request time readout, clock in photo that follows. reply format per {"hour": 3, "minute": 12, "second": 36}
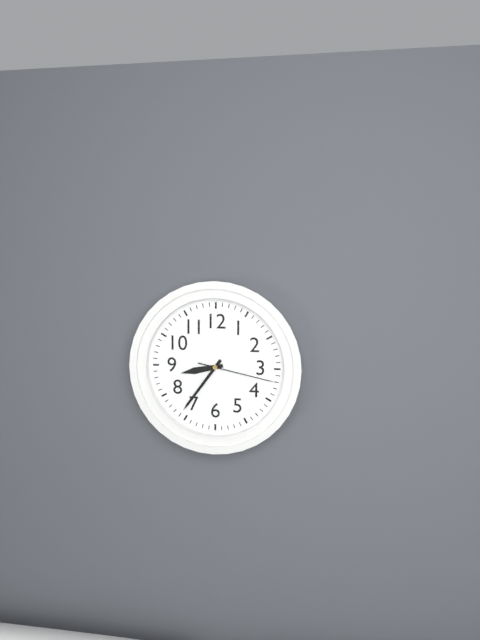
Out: {"hour": 8, "minute": 36, "second": 17}
